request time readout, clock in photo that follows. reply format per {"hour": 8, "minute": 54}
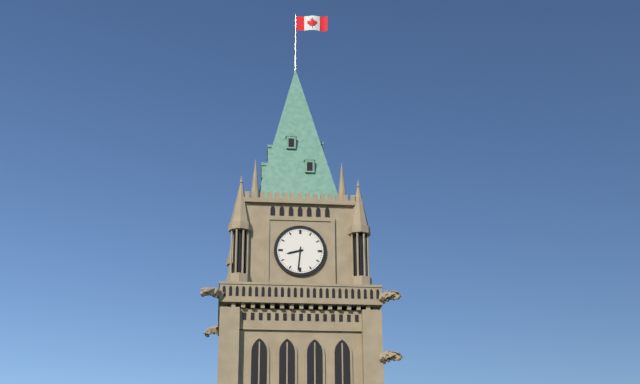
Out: {"hour": 8, "minute": 31}
